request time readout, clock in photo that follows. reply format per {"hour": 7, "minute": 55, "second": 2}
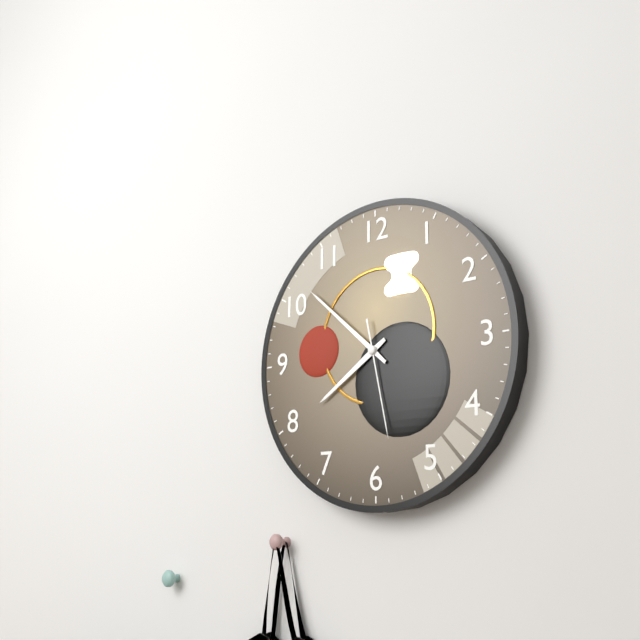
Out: {"hour": 7, "minute": 52, "second": 28}
